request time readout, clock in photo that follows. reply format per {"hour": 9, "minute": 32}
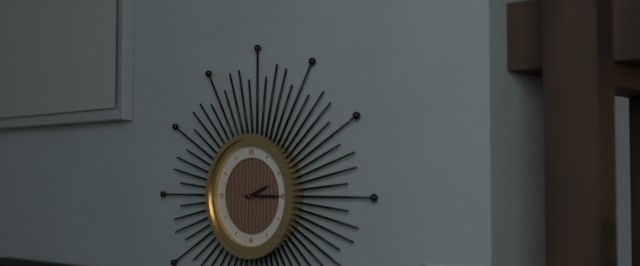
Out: {"hour": 2, "minute": 15}
